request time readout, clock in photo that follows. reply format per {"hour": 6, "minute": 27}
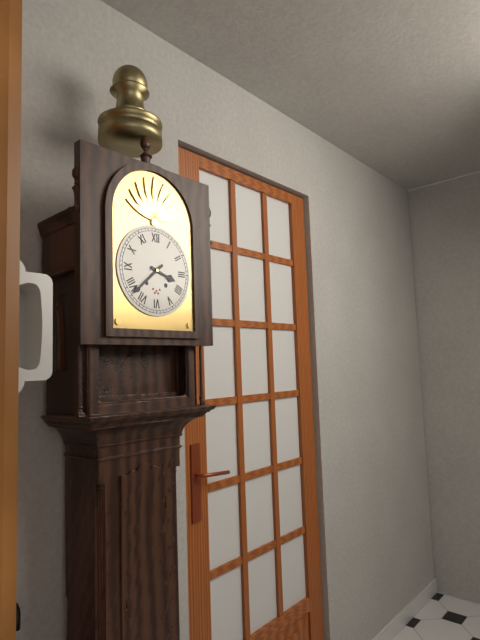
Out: {"hour": 3, "minute": 38}
